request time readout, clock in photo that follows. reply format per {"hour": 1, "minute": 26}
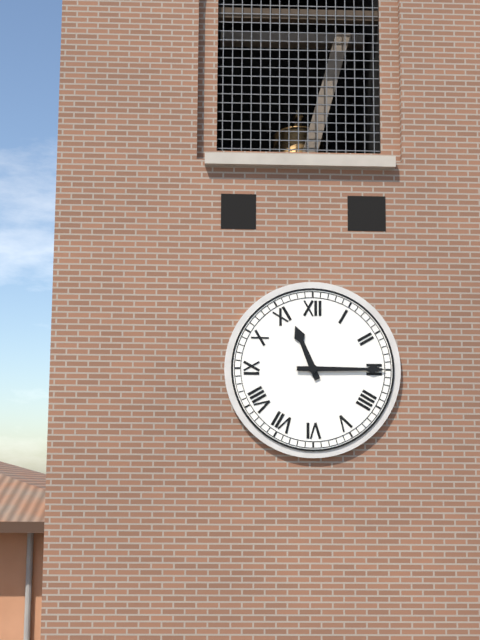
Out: {"hour": 11, "minute": 15}
